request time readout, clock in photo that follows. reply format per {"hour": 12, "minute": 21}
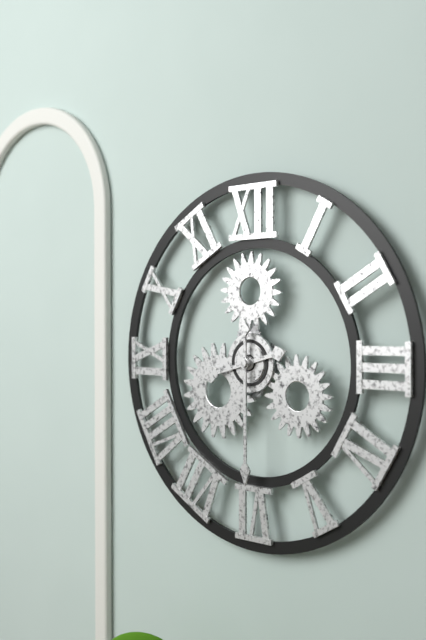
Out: {"hour": 8, "minute": 30}
